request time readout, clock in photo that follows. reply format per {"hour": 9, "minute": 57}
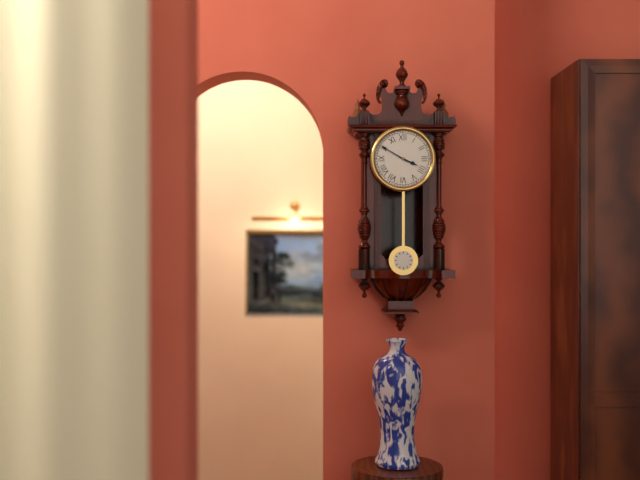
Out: {"hour": 3, "minute": 50}
